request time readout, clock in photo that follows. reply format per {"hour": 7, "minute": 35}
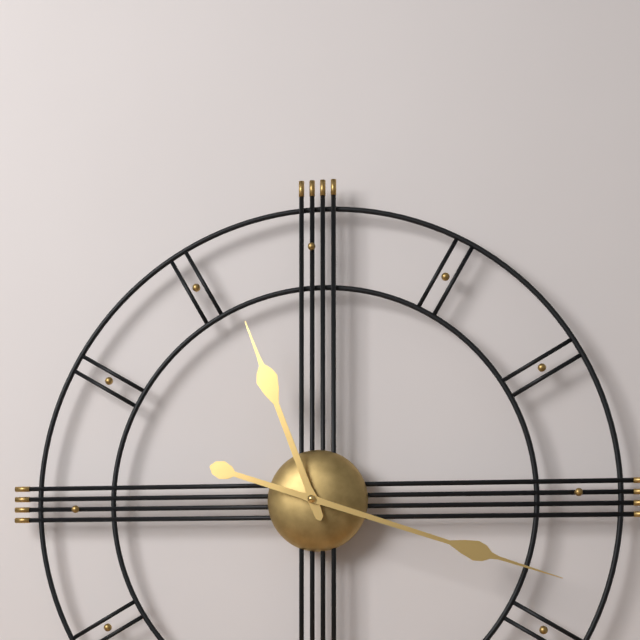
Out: {"hour": 11, "minute": 18}
